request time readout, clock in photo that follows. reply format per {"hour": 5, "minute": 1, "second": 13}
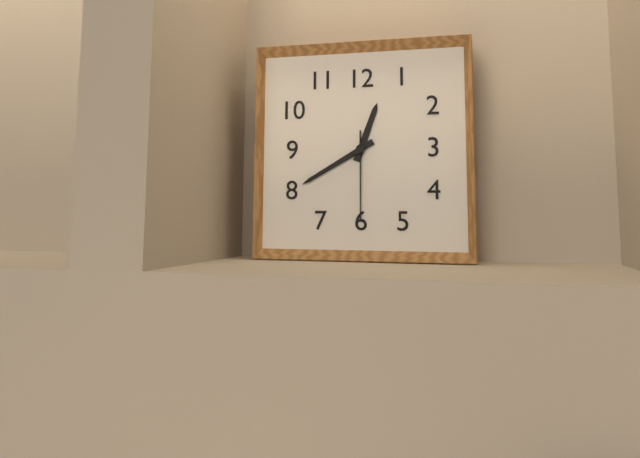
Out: {"hour": 12, "minute": 40, "second": 30}
